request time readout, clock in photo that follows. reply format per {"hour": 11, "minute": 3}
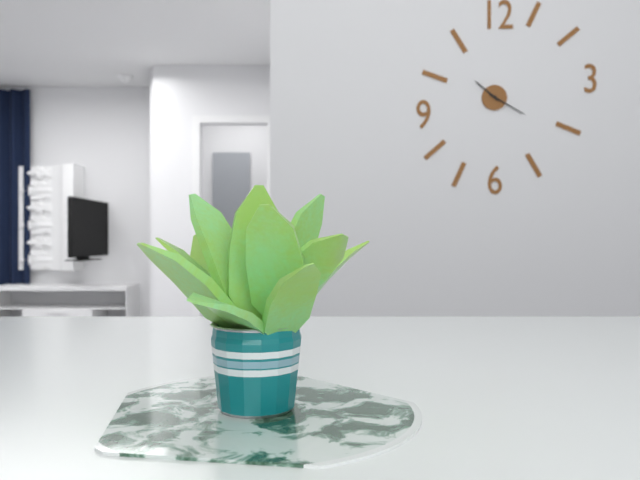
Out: {"hour": 10, "minute": 20}
